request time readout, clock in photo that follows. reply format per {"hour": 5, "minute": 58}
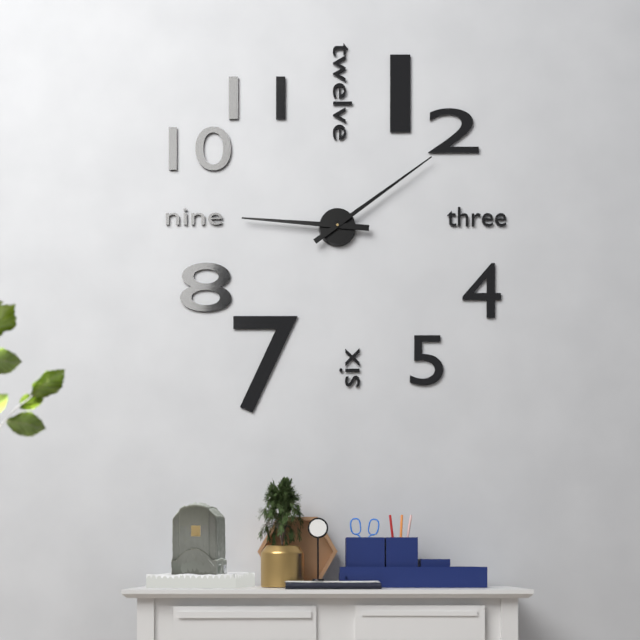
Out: {"hour": 9, "minute": 9}
